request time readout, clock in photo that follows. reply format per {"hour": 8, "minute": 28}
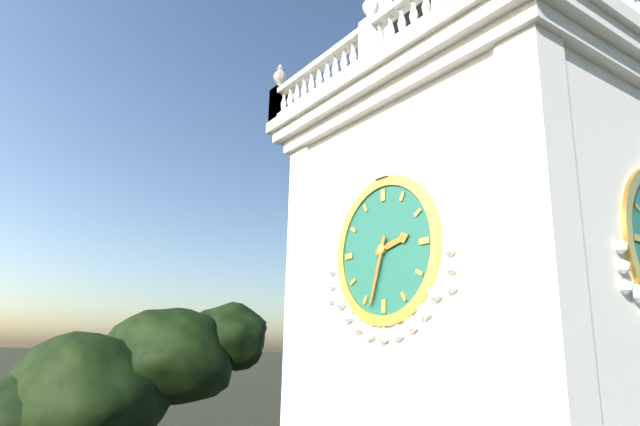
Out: {"hour": 2, "minute": 33}
